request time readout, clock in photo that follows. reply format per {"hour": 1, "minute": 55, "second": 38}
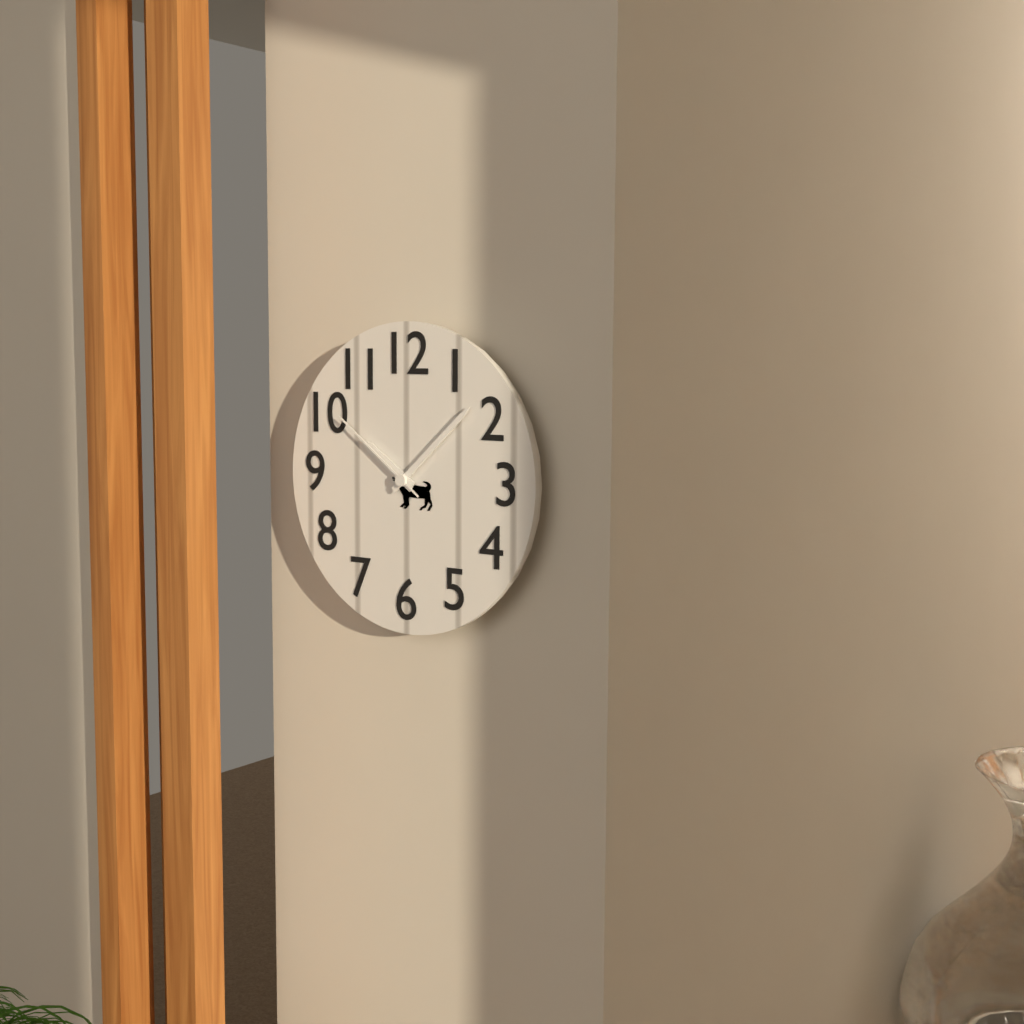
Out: {"hour": 10, "minute": 8, "second": 51}
